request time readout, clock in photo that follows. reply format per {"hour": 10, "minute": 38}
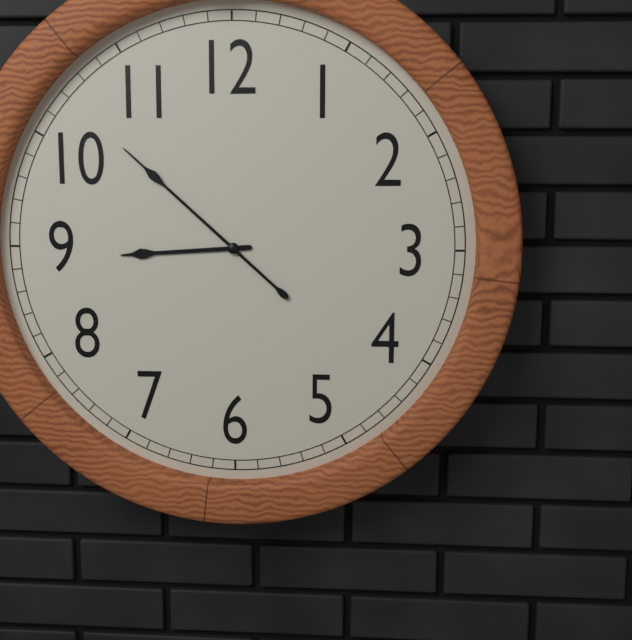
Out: {"hour": 8, "minute": 52}
